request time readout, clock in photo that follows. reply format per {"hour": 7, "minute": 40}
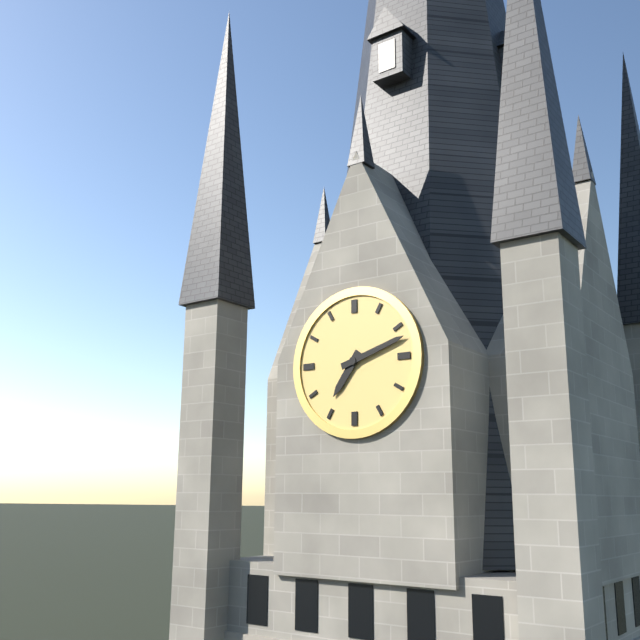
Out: {"hour": 7, "minute": 12}
